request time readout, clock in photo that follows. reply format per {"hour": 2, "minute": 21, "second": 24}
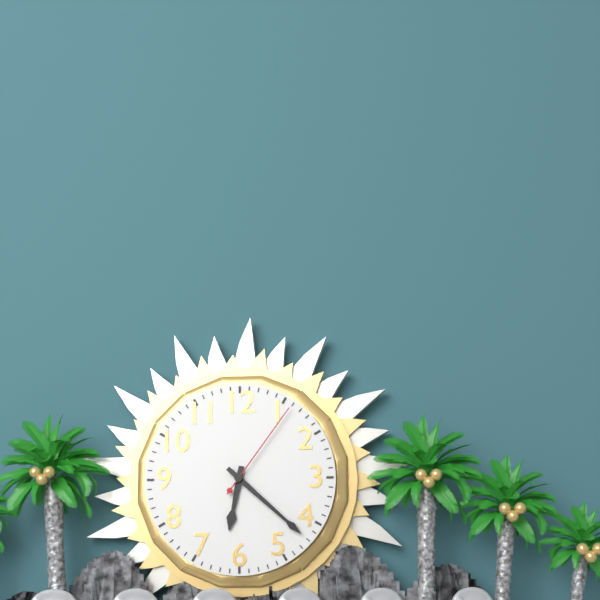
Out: {"hour": 6, "minute": 22, "second": 6}
